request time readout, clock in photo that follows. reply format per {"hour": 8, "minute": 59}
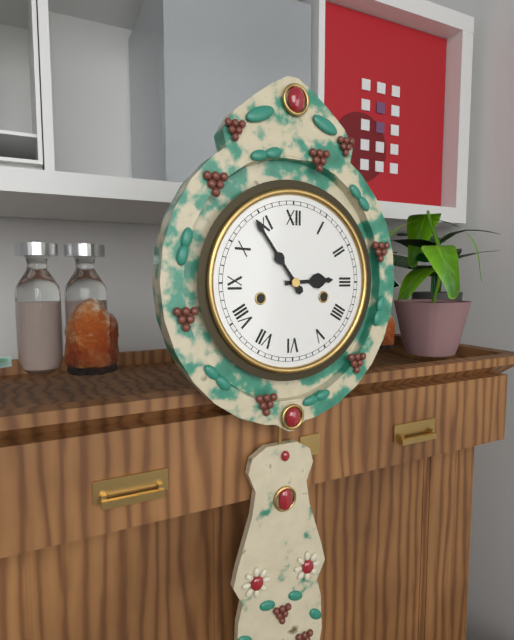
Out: {"hour": 2, "minute": 54}
